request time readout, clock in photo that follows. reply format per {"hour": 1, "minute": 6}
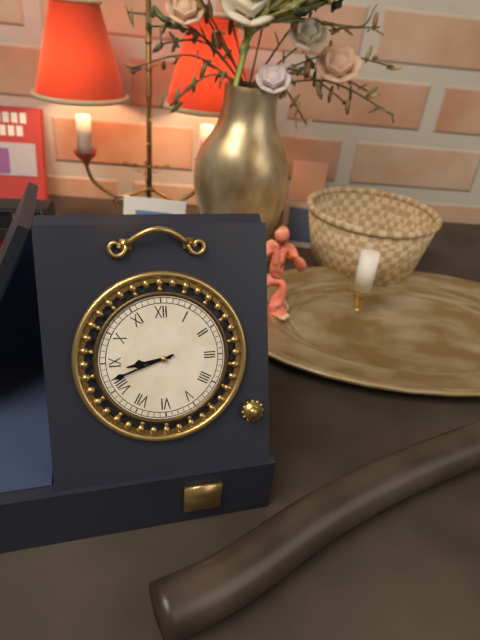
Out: {"hour": 8, "minute": 42}
